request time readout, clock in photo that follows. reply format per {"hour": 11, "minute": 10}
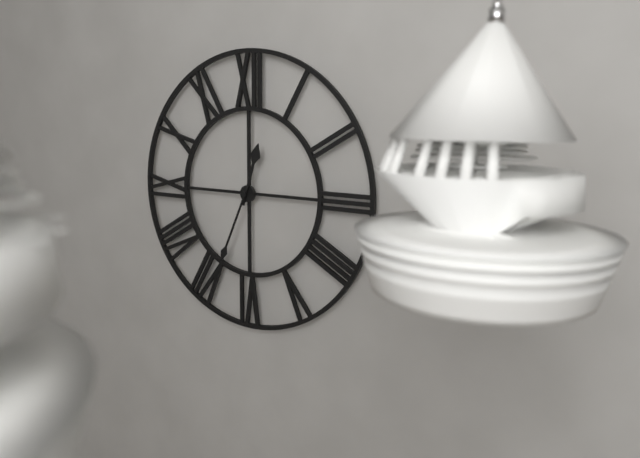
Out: {"hour": 12, "minute": 34}
